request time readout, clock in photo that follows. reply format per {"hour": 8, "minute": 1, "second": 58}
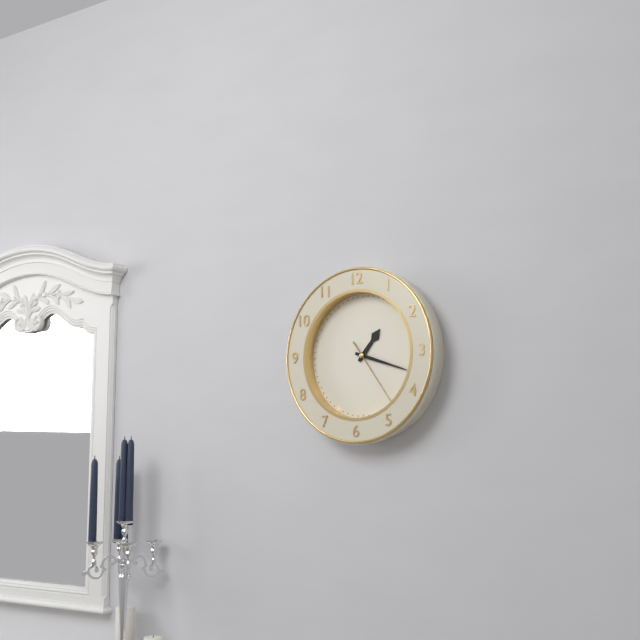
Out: {"hour": 1, "minute": 18, "second": 24}
